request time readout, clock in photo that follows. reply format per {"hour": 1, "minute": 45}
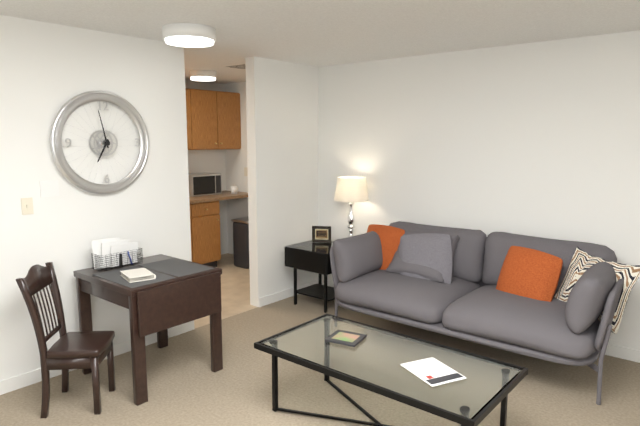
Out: {"hour": 6, "minute": 58}
